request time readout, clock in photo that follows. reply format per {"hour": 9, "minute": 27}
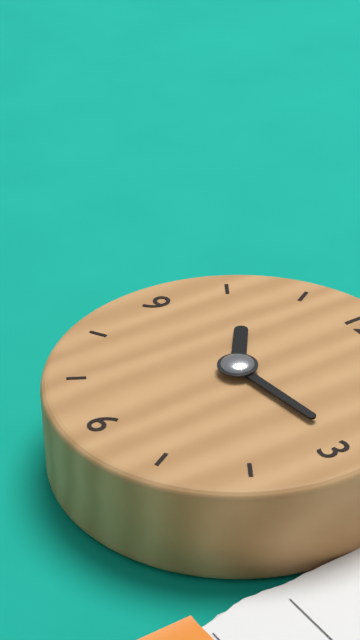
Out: {"hour": 10, "minute": 14}
